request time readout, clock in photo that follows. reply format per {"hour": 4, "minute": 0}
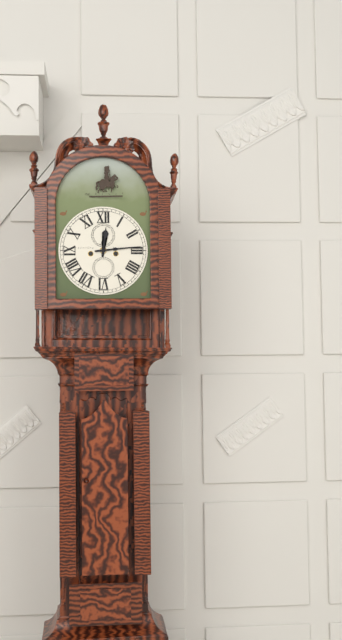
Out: {"hour": 12, "minute": 14}
